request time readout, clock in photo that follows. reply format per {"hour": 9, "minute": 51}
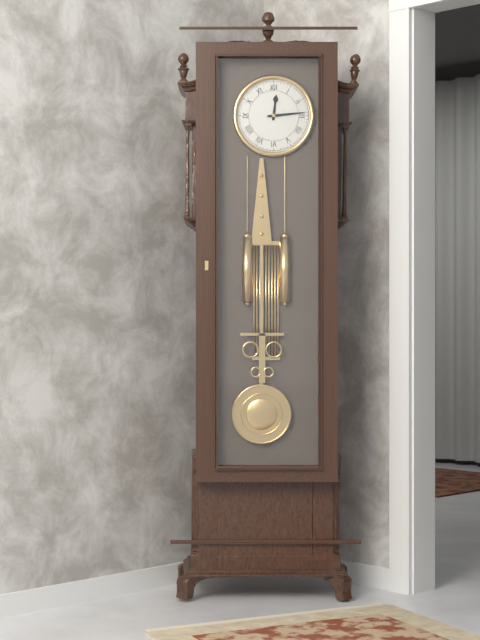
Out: {"hour": 12, "minute": 14}
